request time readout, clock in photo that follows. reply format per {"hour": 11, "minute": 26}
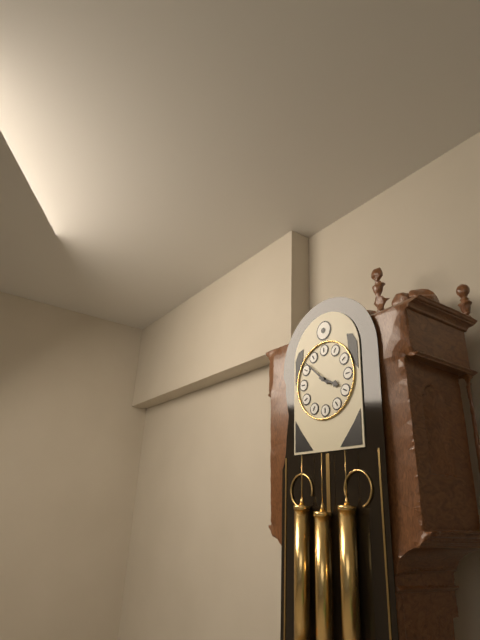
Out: {"hour": 3, "minute": 52}
